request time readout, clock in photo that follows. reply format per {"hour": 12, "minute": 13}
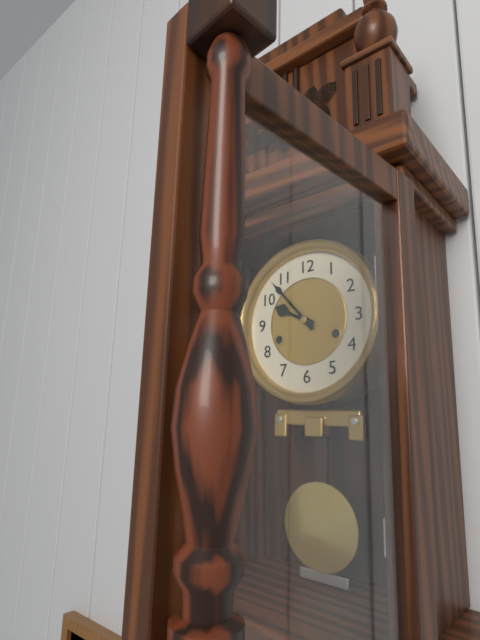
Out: {"hour": 9, "minute": 53}
